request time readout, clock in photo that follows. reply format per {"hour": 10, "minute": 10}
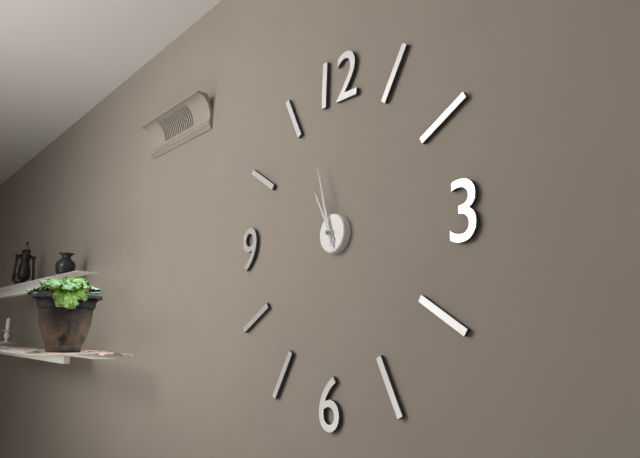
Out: {"hour": 10, "minute": 57}
